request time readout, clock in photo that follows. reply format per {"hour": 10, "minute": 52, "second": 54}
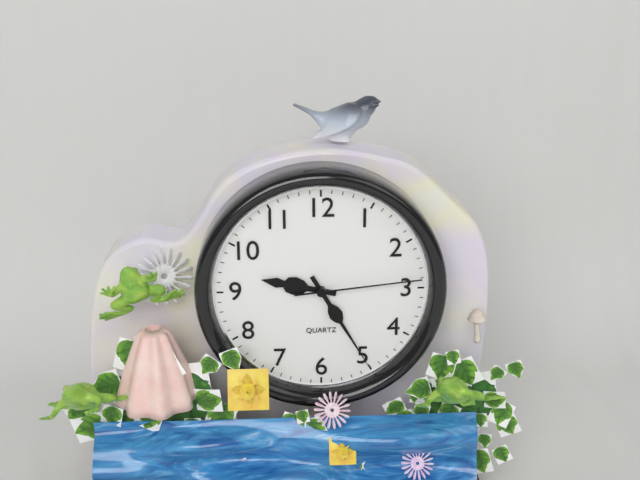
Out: {"hour": 9, "minute": 25, "second": 14}
